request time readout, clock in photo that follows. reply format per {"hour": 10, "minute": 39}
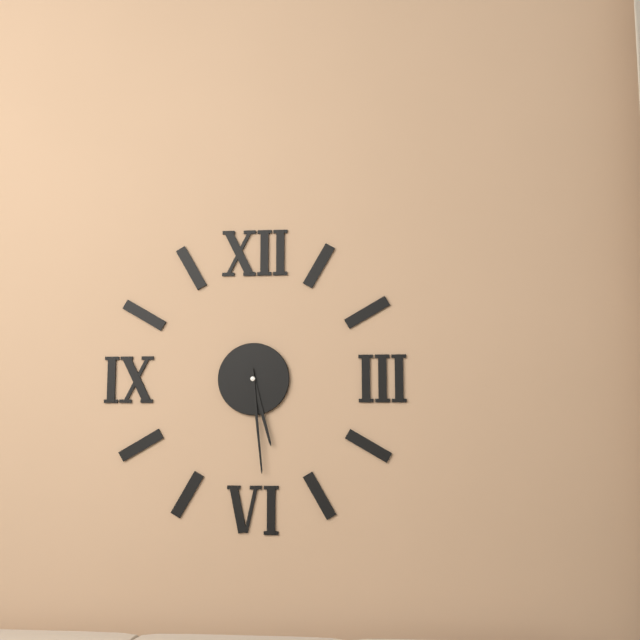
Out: {"hour": 5, "minute": 29}
